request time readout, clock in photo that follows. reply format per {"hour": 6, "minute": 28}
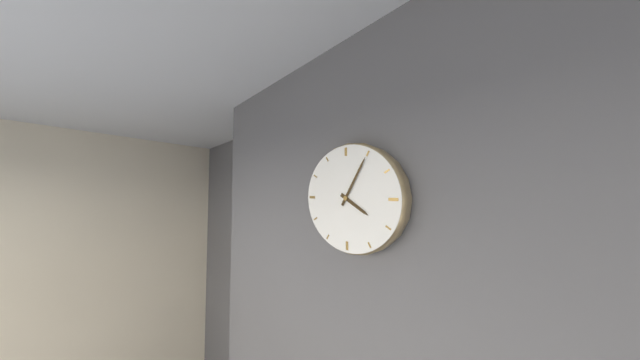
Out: {"hour": 4, "minute": 5}
